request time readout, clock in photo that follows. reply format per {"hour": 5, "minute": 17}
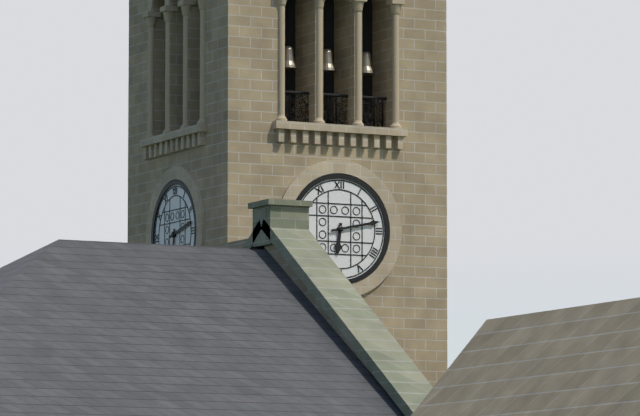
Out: {"hour": 6, "minute": 13}
